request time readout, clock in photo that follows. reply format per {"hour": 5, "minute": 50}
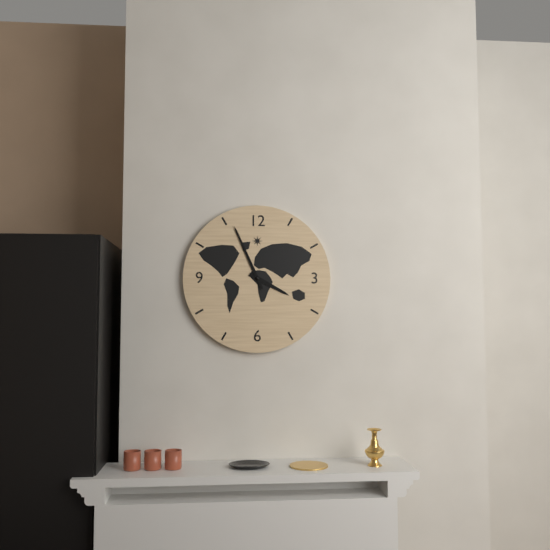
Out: {"hour": 3, "minute": 56}
